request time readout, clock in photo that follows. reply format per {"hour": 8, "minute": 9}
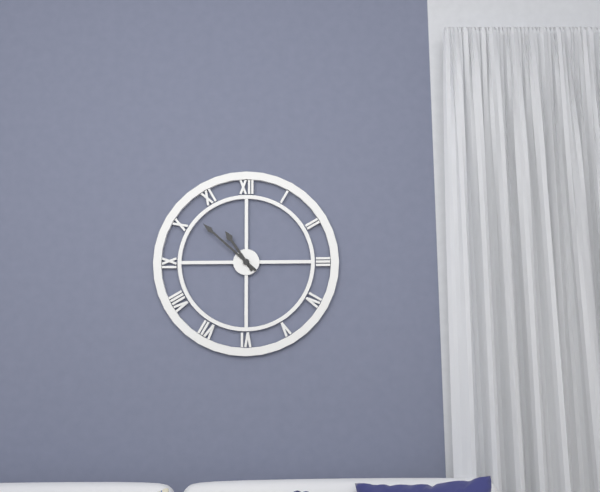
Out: {"hour": 10, "minute": 52}
